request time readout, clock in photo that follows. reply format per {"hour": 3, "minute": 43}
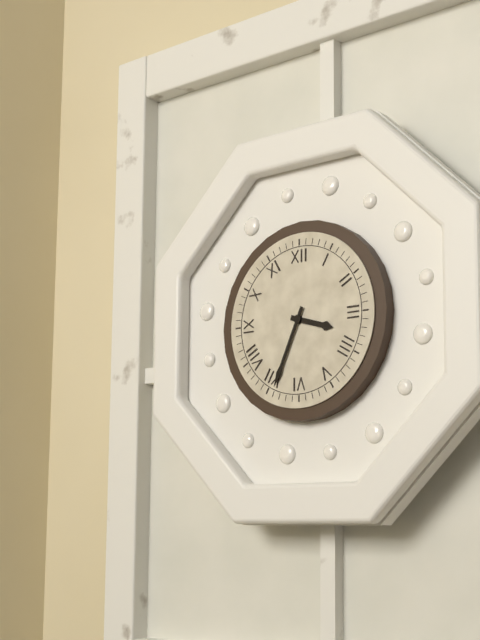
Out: {"hour": 3, "minute": 34}
